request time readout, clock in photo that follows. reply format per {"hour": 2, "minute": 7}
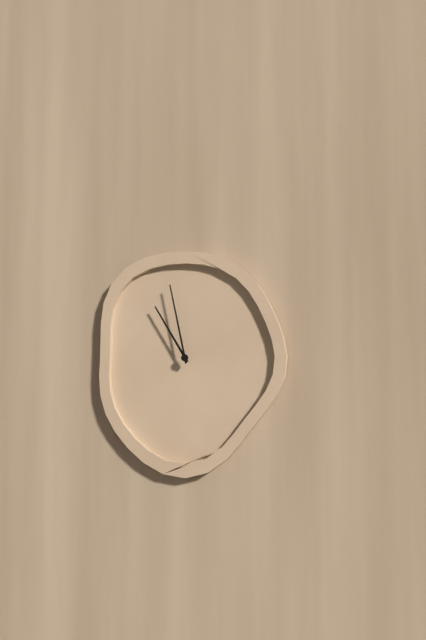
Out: {"hour": 10, "minute": 58}
